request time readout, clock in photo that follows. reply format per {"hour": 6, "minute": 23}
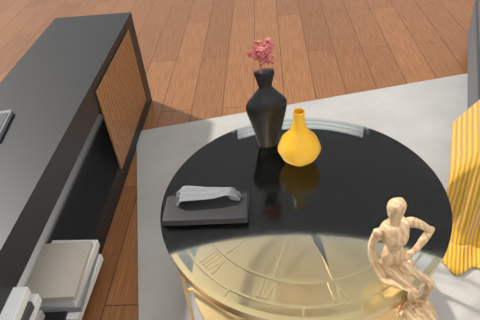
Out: {"hour": 1, "minute": 30}
